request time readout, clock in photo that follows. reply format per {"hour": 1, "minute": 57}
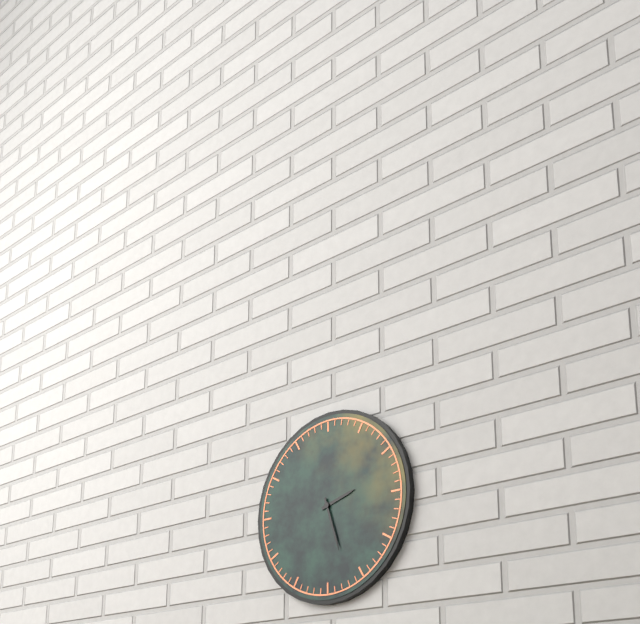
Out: {"hour": 2, "minute": 27}
